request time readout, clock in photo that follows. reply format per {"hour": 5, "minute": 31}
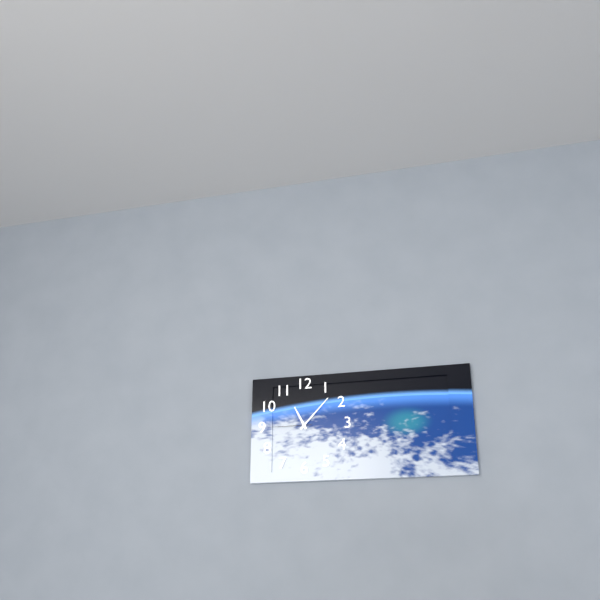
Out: {"hour": 11, "minute": 7}
